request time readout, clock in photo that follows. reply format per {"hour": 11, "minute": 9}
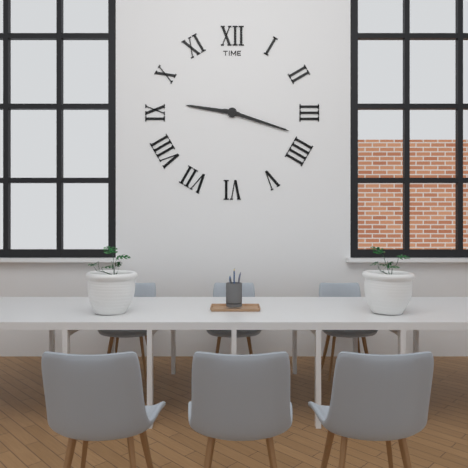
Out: {"hour": 9, "minute": 18}
